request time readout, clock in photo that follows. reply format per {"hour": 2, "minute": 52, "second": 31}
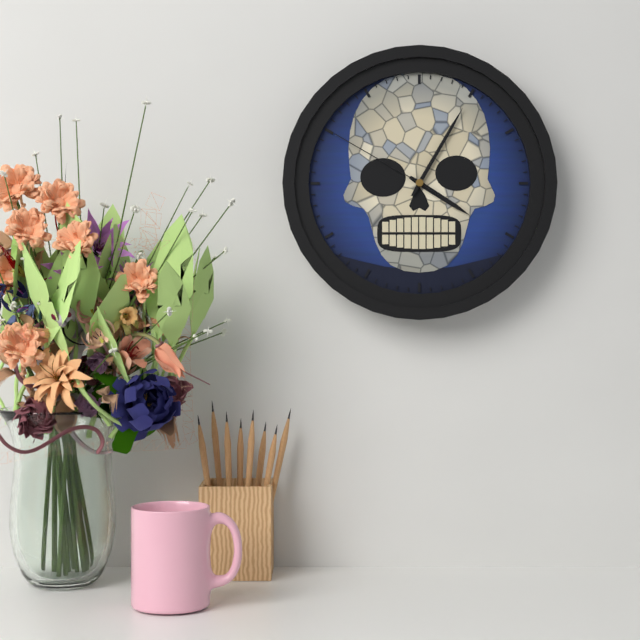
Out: {"hour": 4, "minute": 5, "second": 50}
